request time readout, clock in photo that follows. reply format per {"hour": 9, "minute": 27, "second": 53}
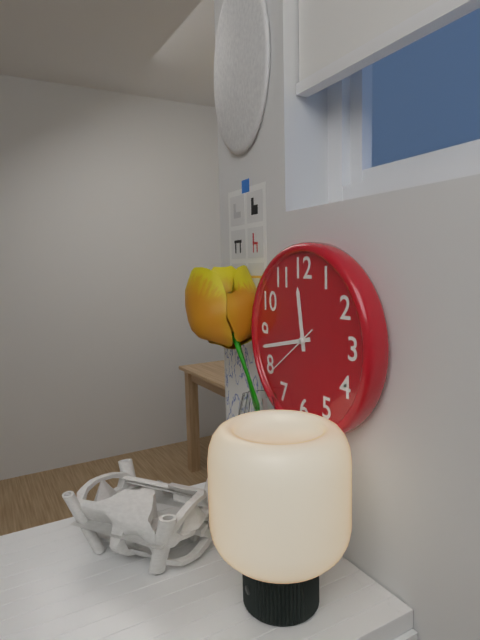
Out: {"hour": 11, "minute": 43, "second": 39}
